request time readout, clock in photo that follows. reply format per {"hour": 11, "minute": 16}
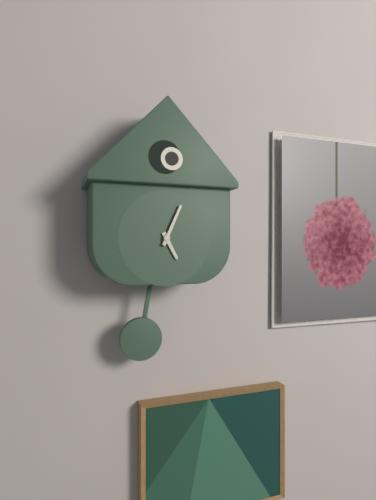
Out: {"hour": 5, "minute": 4}
